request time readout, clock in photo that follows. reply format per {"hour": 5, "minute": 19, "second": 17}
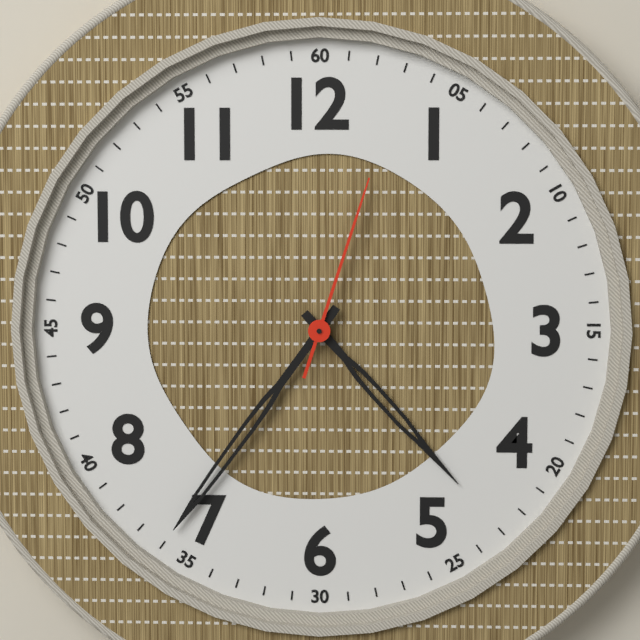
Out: {"hour": 4, "minute": 36, "second": 3}
